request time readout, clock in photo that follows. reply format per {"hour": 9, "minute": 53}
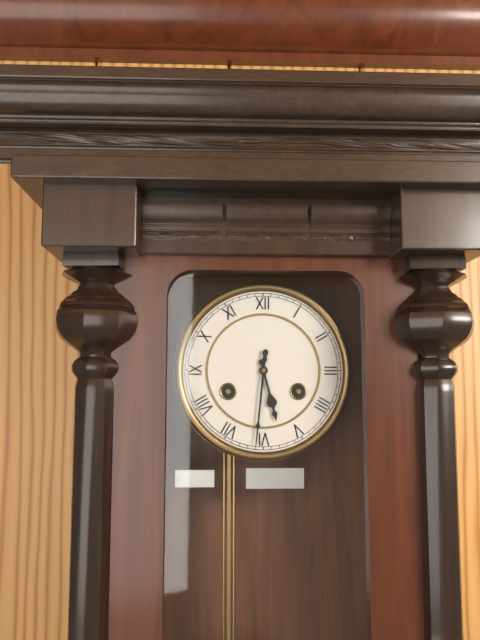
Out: {"hour": 5, "minute": 31}
